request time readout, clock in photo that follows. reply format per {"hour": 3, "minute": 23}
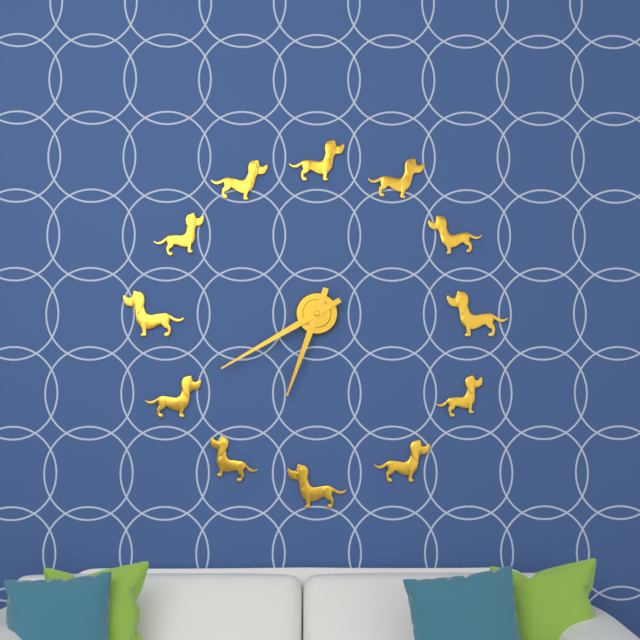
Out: {"hour": 6, "minute": 40}
